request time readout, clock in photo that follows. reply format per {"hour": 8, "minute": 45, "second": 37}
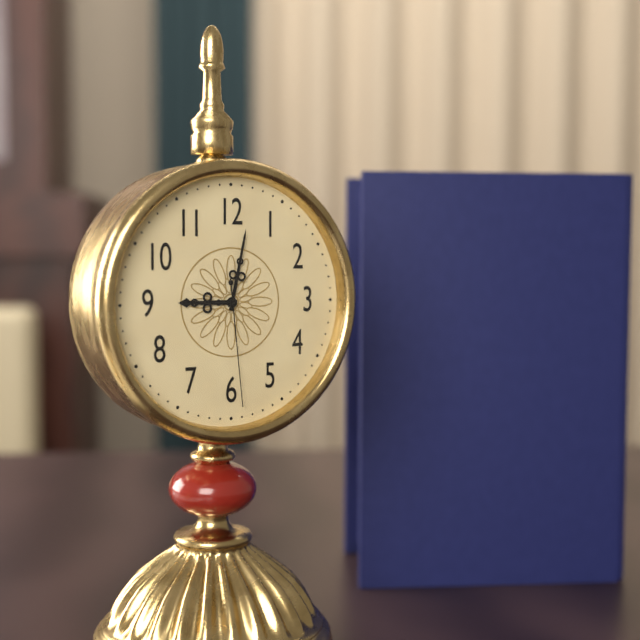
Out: {"hour": 9, "minute": 2, "second": 29}
